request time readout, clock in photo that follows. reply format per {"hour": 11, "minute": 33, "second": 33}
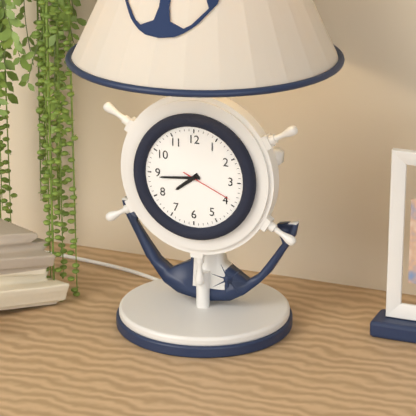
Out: {"hour": 7, "minute": 44, "second": 19}
